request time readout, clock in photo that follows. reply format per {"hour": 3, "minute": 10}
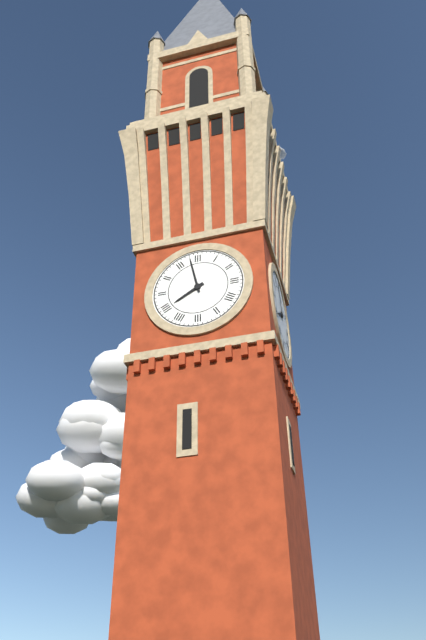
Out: {"hour": 7, "minute": 58}
